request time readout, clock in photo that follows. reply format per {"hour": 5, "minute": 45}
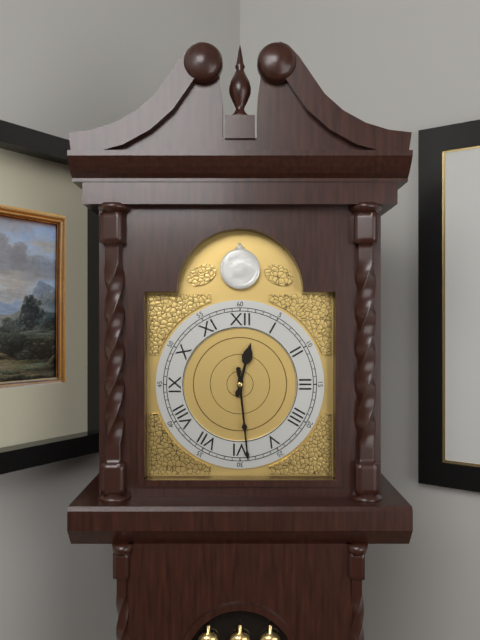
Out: {"hour": 12, "minute": 29}
